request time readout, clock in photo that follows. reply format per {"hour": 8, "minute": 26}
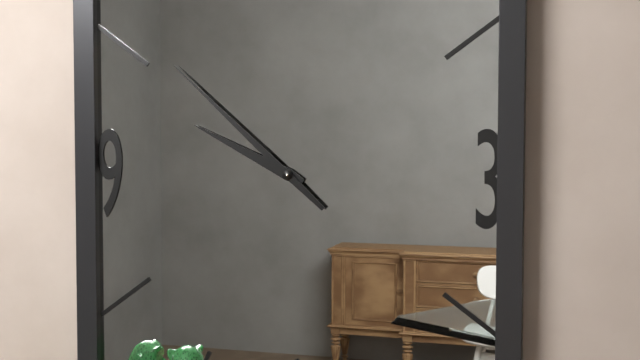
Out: {"hour": 9, "minute": 52}
